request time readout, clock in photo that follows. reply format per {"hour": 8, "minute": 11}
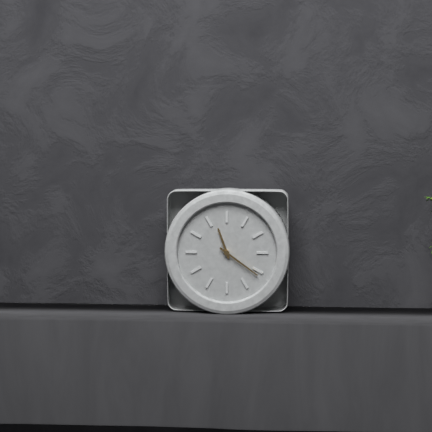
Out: {"hour": 11, "minute": 21}
